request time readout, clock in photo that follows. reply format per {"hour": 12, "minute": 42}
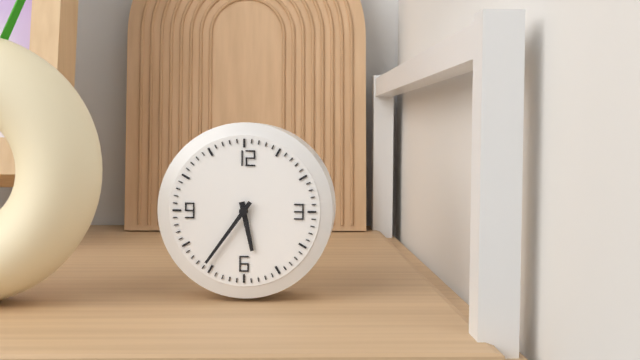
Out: {"hour": 5, "minute": 36}
